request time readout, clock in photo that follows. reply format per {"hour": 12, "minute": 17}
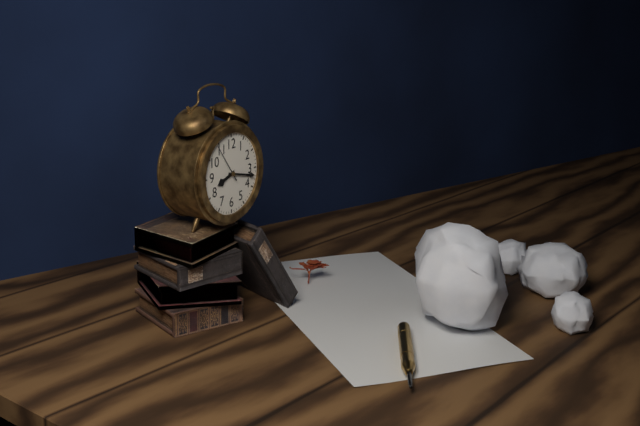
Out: {"hour": 8, "minute": 17}
